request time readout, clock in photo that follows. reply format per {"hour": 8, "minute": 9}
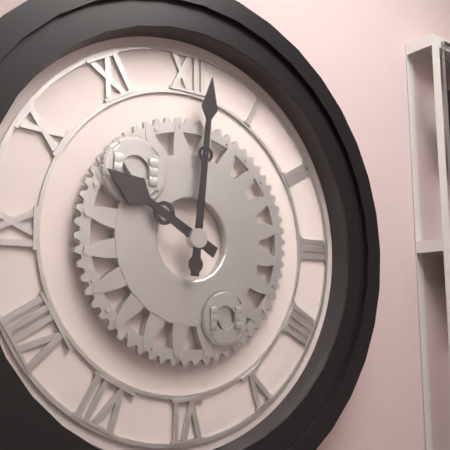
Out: {"hour": 10, "minute": 1}
